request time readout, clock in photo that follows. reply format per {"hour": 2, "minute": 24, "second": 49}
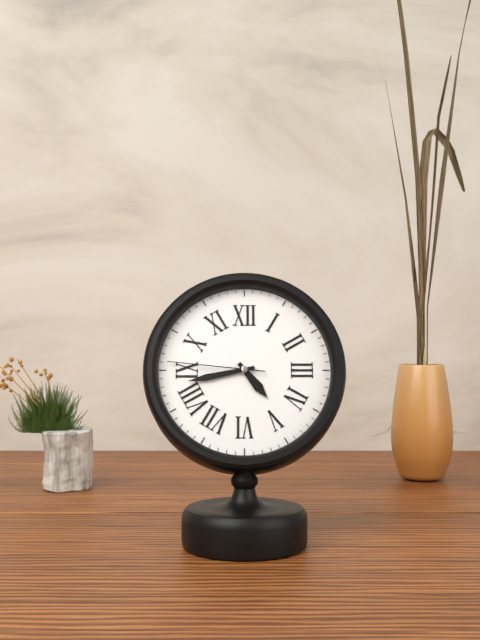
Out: {"hour": 4, "minute": 43, "second": 46}
